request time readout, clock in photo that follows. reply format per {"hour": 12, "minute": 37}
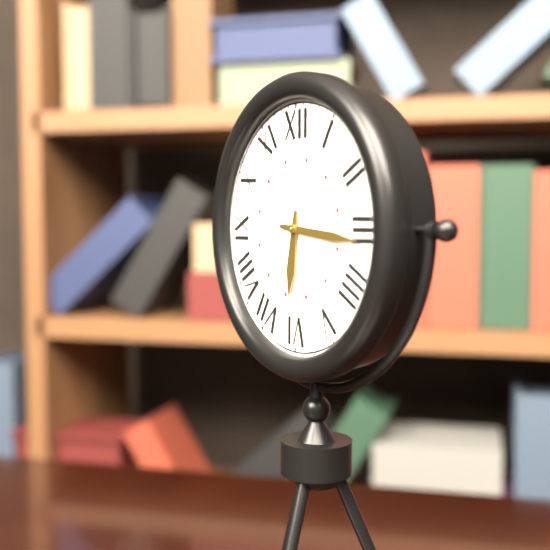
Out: {"hour": 6, "minute": 16}
